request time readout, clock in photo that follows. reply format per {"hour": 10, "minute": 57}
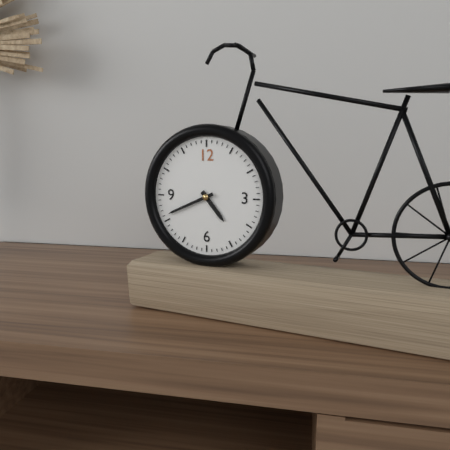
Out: {"hour": 4, "minute": 41}
